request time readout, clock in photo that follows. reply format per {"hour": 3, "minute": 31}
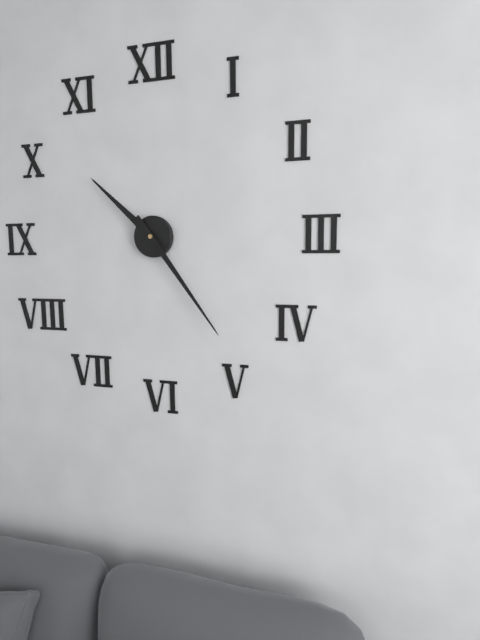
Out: {"hour": 10, "minute": 24}
